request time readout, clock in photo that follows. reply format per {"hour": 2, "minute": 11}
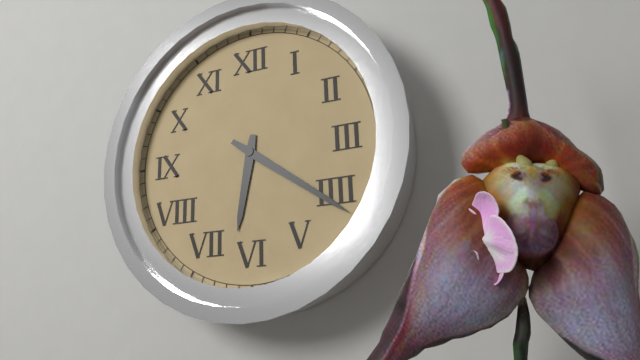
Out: {"hour": 6, "minute": 21}
